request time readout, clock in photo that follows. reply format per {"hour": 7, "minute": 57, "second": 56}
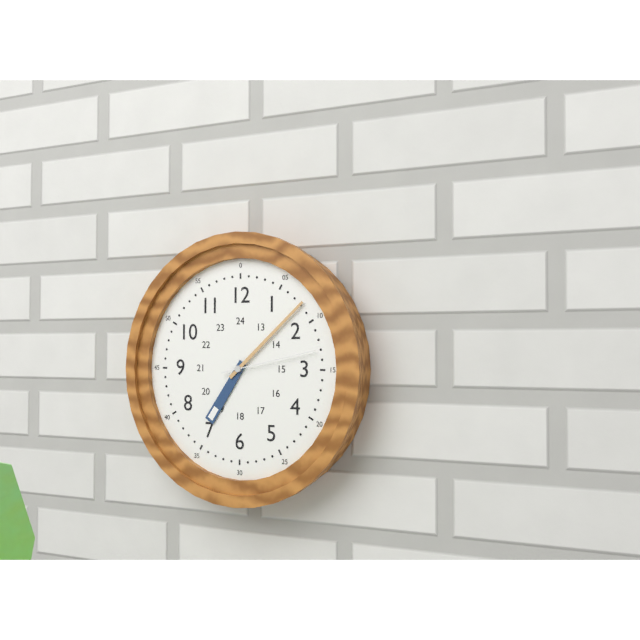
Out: {"hour": 7, "minute": 8, "second": 13}
